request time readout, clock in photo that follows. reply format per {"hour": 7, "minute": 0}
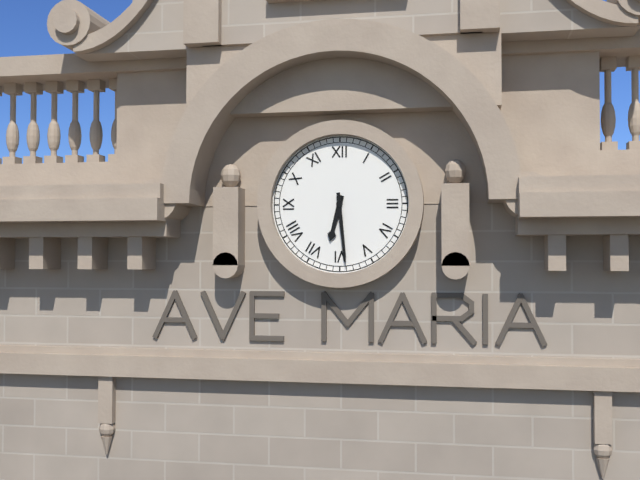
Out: {"hour": 6, "minute": 29}
